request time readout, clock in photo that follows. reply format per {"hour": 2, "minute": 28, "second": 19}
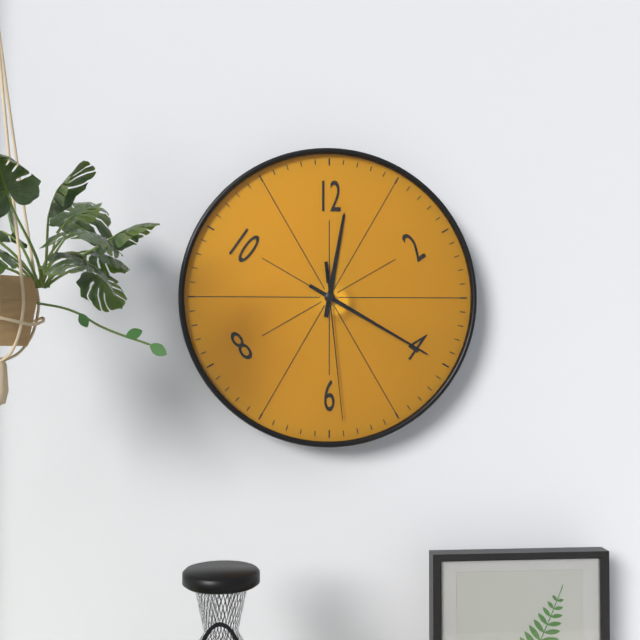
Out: {"hour": 12, "minute": 20, "second": 29}
